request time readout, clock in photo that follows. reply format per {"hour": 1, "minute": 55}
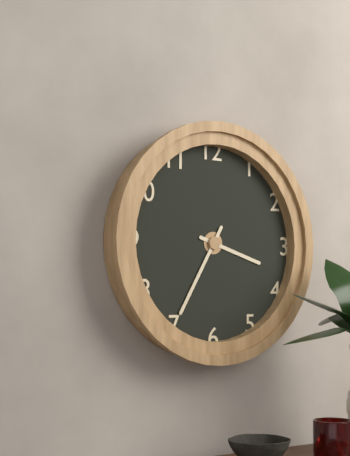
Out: {"hour": 3, "minute": 35}
